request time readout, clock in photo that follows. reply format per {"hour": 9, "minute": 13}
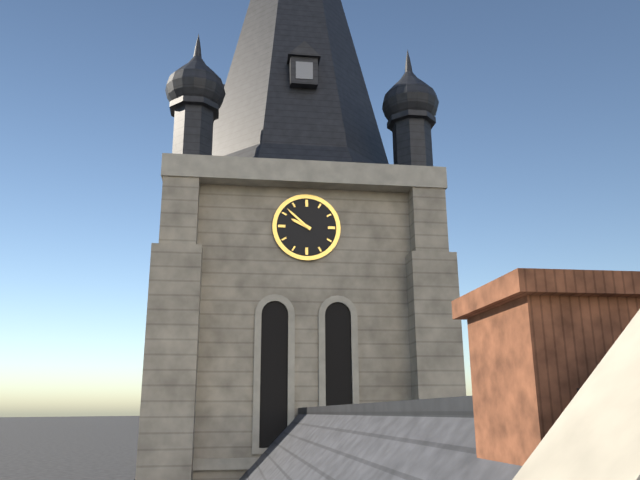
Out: {"hour": 9, "minute": 52}
